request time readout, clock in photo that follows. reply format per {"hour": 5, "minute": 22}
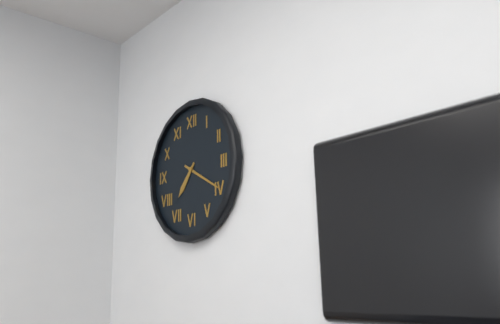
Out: {"hour": 7, "minute": 20}
